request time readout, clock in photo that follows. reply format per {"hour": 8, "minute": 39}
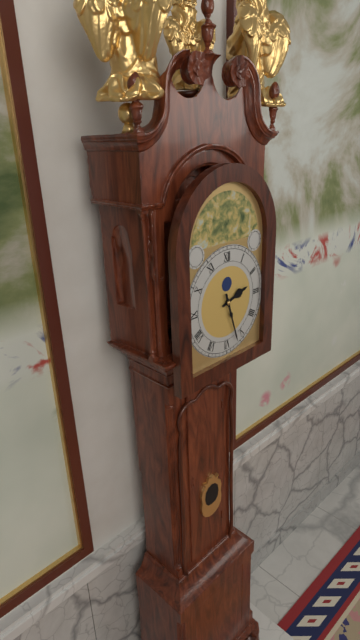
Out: {"hour": 2, "minute": 27}
